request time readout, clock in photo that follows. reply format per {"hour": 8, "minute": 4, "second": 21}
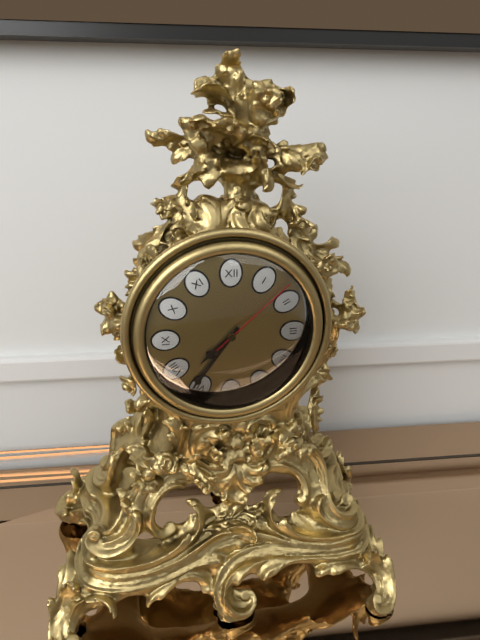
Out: {"hour": 7, "minute": 36, "second": 8}
